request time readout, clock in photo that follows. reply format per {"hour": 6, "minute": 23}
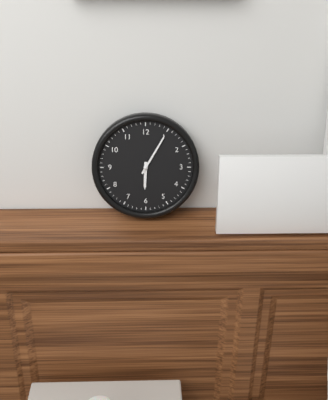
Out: {"hour": 6, "minute": 5}
